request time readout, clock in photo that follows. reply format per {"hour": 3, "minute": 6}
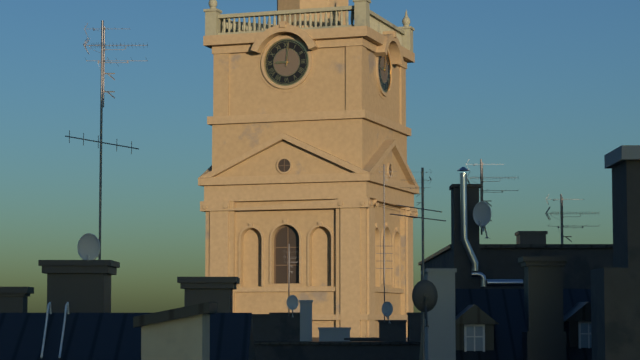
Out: {"hour": 9, "minute": 1}
